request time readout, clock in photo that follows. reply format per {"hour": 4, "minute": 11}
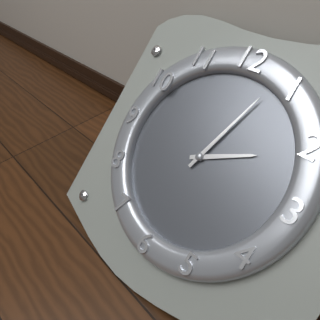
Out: {"hour": 2, "minute": 3}
